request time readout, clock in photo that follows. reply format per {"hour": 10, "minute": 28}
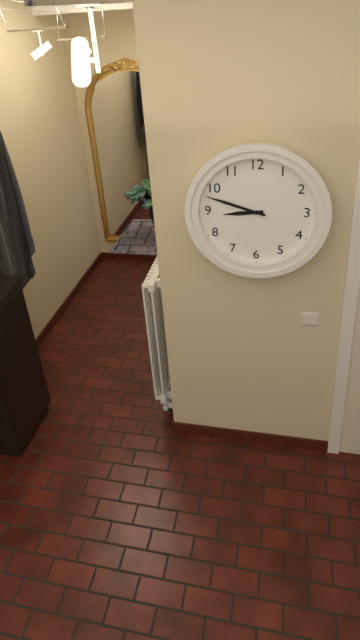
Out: {"hour": 8, "minute": 48}
